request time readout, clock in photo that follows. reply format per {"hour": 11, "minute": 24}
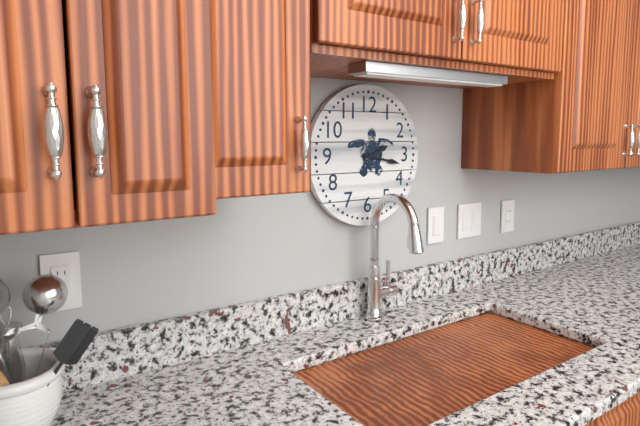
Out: {"hour": 2, "minute": 17}
